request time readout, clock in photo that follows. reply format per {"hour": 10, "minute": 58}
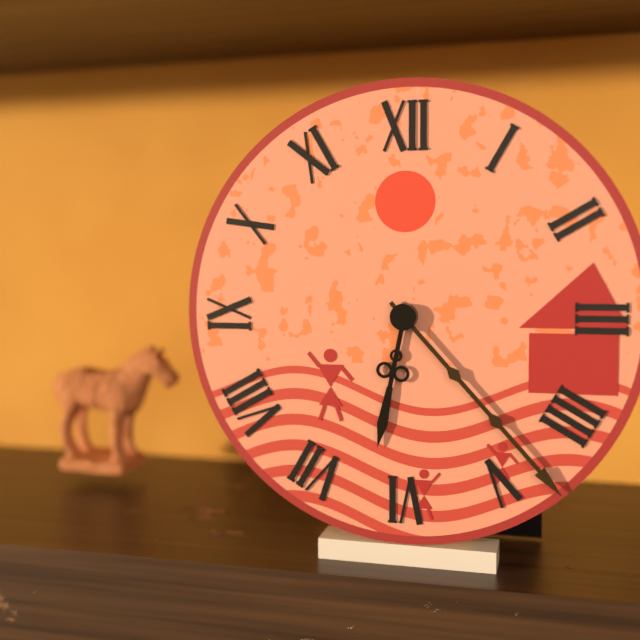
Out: {"hour": 6, "minute": 23}
